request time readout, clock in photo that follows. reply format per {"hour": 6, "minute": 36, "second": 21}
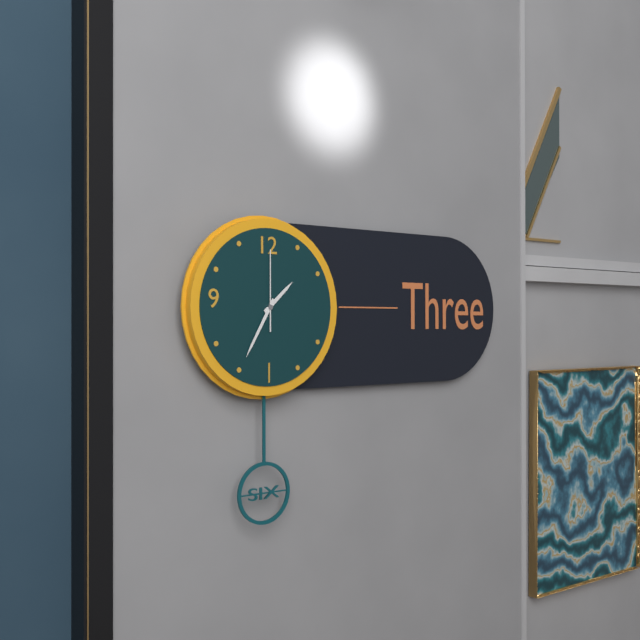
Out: {"hour": 1, "minute": 35, "second": 0}
